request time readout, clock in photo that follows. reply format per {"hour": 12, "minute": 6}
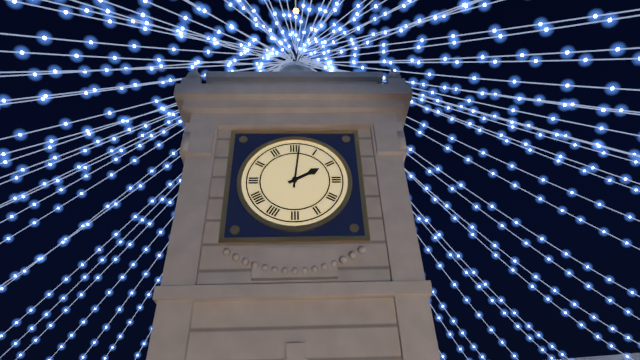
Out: {"hour": 2, "minute": 1}
